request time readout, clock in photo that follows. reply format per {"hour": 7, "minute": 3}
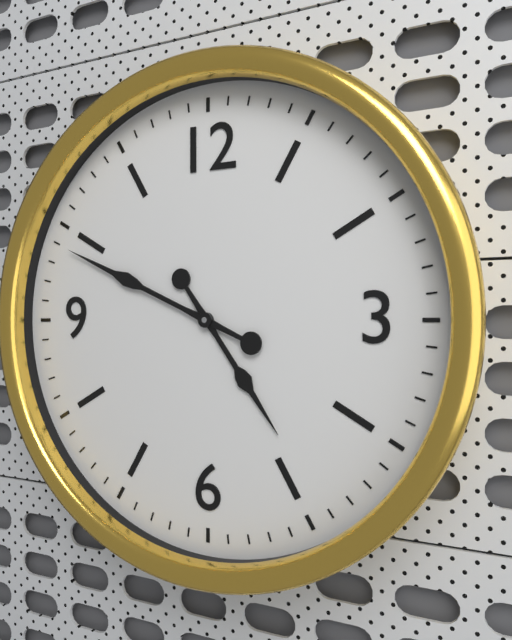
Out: {"hour": 4, "minute": 49}
